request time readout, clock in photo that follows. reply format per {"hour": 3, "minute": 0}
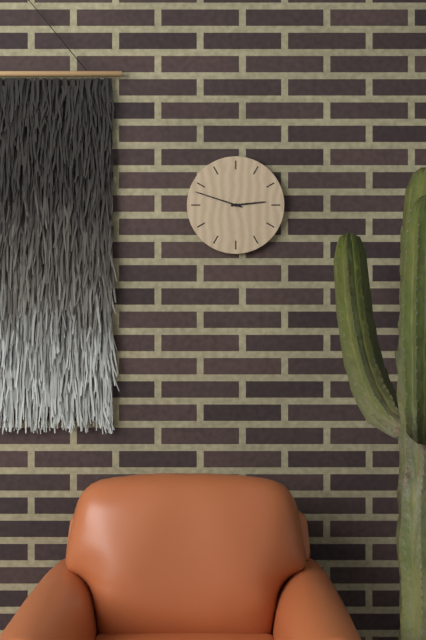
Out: {"hour": 2, "minute": 48}
